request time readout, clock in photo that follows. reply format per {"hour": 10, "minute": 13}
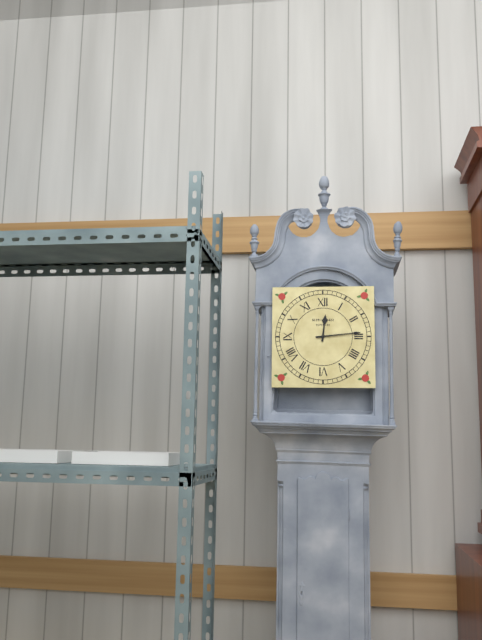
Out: {"hour": 12, "minute": 14}
